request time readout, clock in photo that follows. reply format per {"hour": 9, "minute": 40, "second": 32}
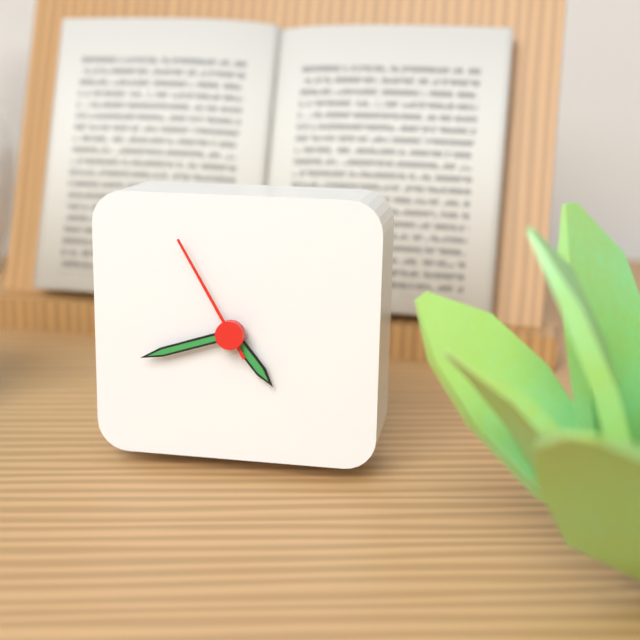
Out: {"hour": 4, "minute": 42, "second": 55}
